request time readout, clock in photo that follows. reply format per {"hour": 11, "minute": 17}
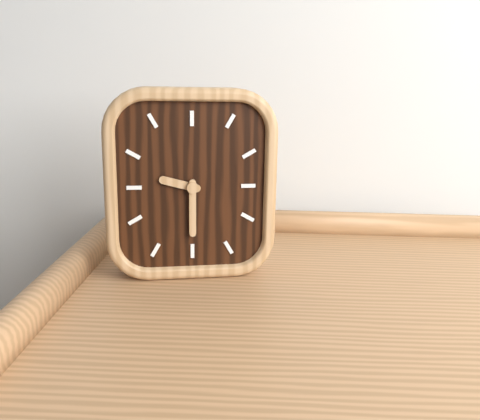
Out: {"hour": 9, "minute": 30}
